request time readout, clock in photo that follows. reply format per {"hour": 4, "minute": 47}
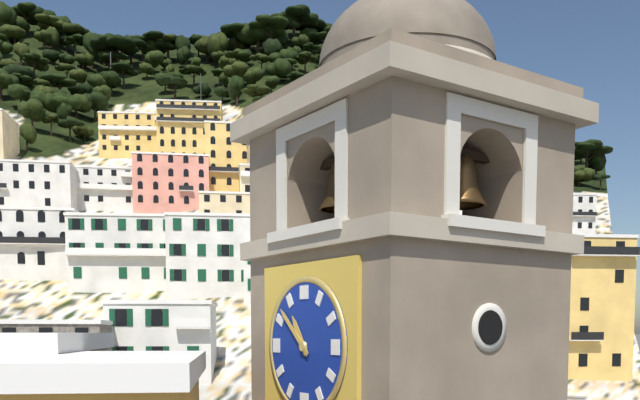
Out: {"hour": 10, "minute": 52}
